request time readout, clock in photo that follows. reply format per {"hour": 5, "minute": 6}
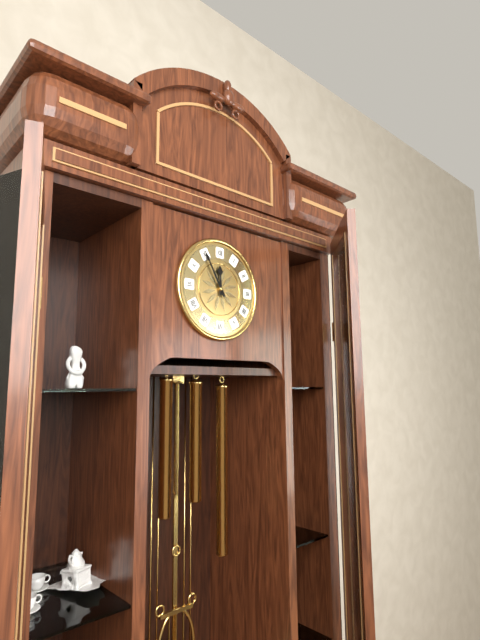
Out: {"hour": 11, "minute": 55}
